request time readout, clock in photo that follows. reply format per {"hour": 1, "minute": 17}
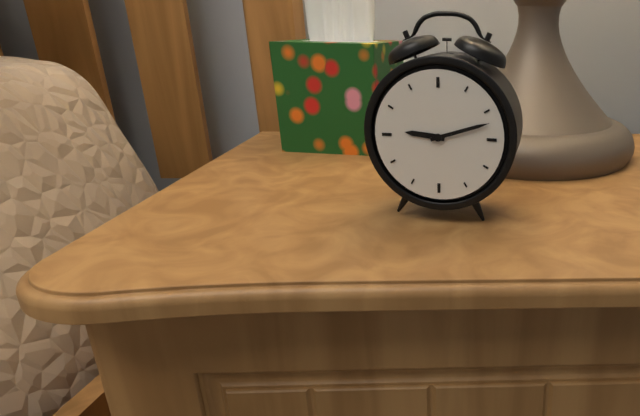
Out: {"hour": 9, "minute": 12}
